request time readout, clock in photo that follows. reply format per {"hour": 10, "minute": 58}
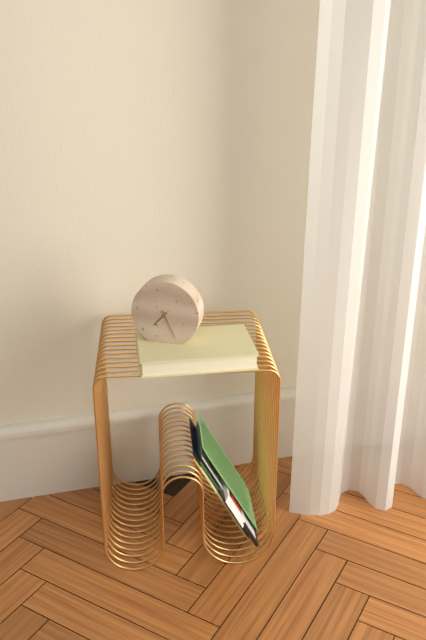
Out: {"hour": 7, "minute": 26}
